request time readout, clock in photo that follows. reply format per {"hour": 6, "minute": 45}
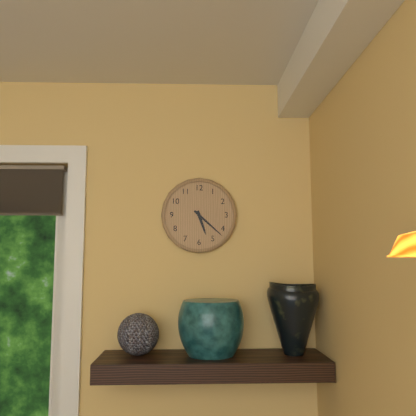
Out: {"hour": 5, "minute": 22}
